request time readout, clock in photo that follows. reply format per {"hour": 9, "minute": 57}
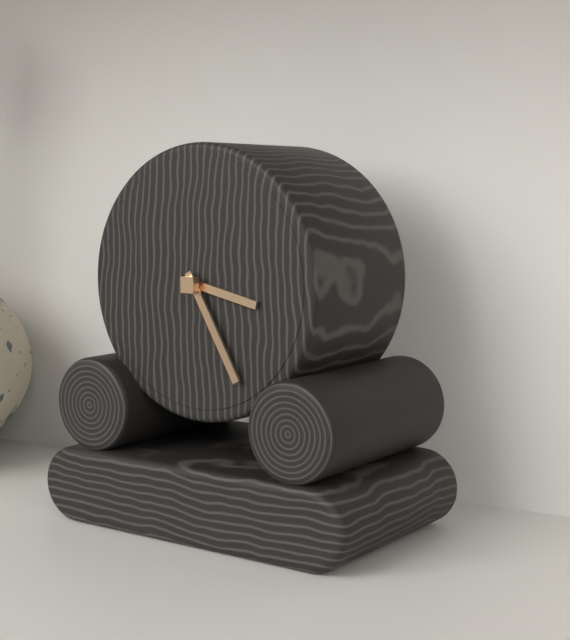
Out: {"hour": 3, "minute": 25}
